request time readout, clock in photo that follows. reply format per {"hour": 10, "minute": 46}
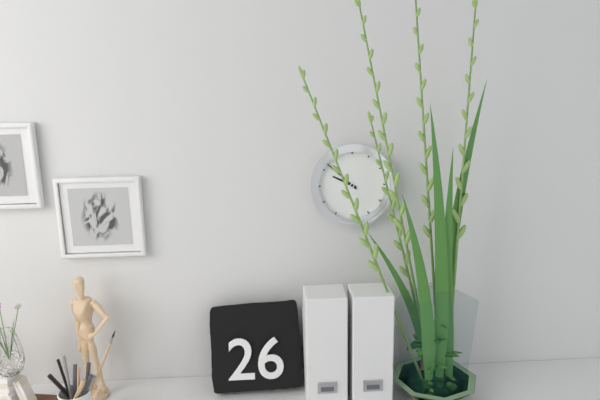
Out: {"hour": 9, "minute": 52}
